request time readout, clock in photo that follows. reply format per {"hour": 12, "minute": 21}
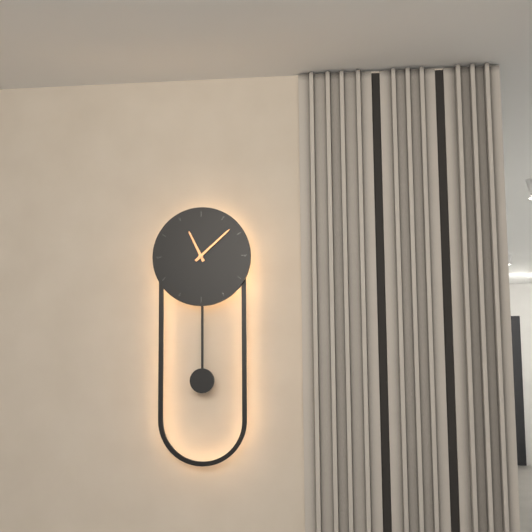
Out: {"hour": 11, "minute": 8}
